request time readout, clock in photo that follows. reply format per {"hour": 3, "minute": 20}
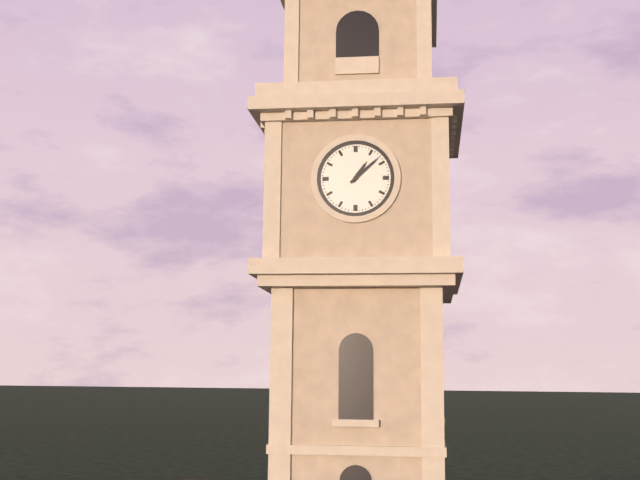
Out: {"hour": 1, "minute": 8}
